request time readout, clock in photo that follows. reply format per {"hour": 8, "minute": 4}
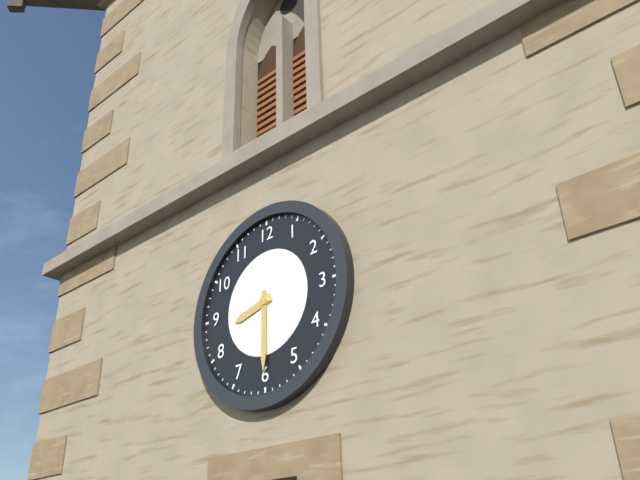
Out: {"hour": 8, "minute": 30}
